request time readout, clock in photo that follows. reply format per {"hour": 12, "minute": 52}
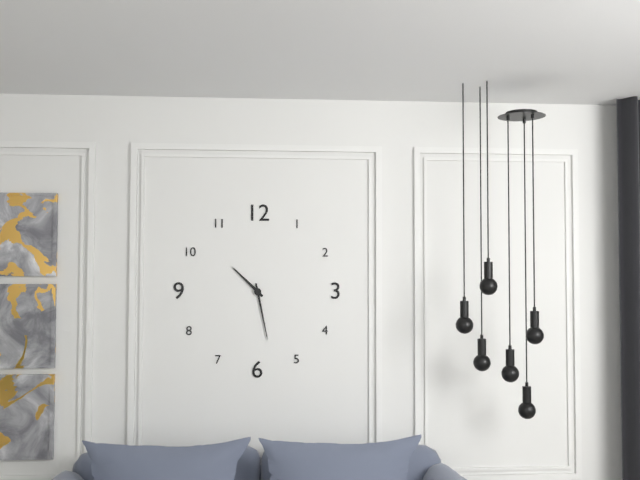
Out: {"hour": 10, "minute": 28}
